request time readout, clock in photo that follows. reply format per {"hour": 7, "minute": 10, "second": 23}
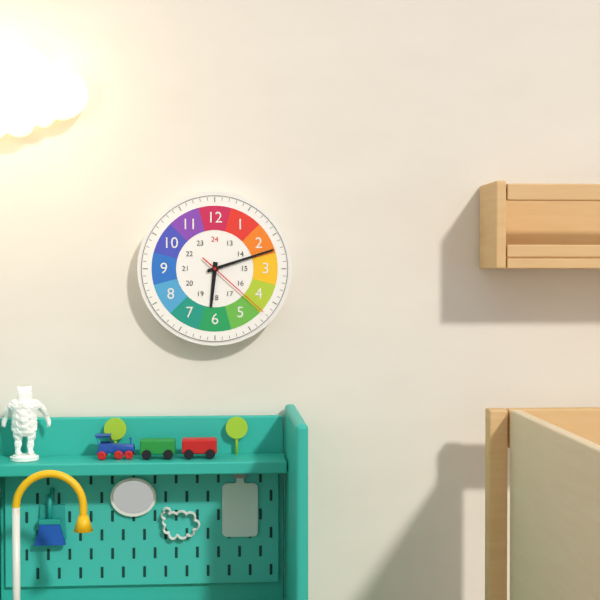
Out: {"hour": 6, "minute": 12, "second": 22}
